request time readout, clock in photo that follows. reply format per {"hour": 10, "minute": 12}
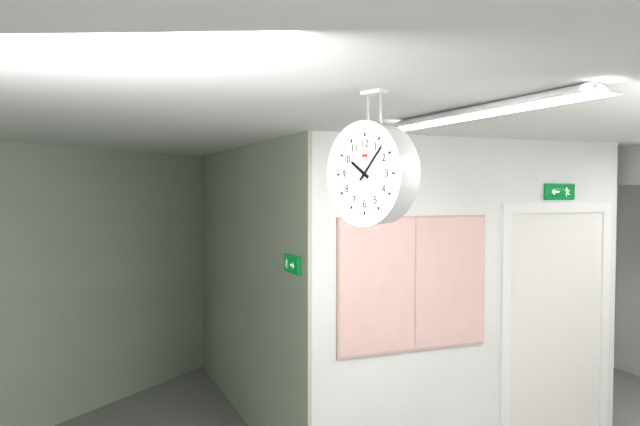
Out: {"hour": 10, "minute": 7}
